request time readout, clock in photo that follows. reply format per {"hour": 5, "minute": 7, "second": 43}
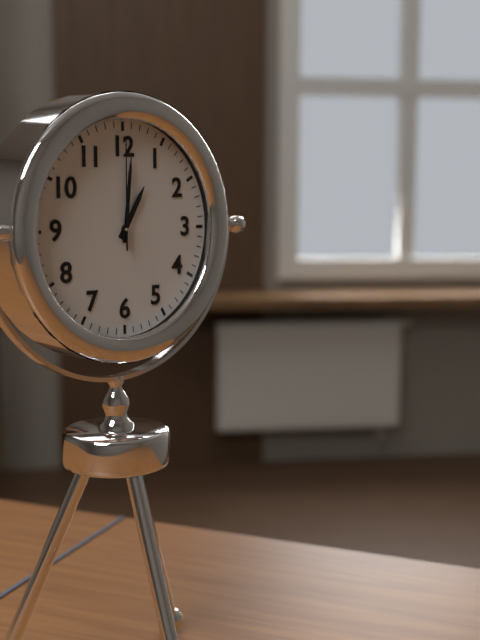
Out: {"hour": 1, "minute": 1, "second": 0}
